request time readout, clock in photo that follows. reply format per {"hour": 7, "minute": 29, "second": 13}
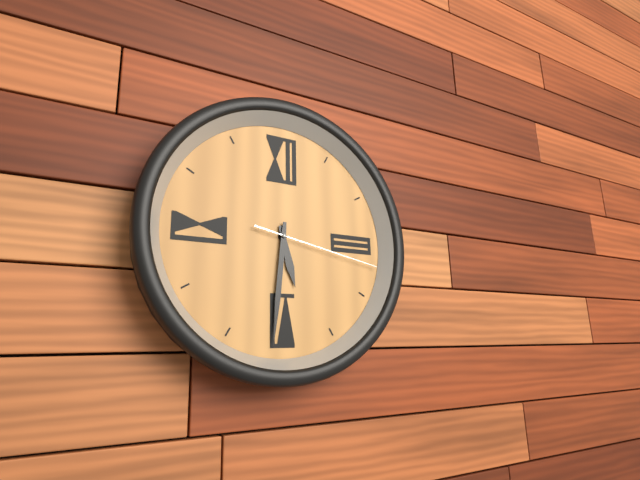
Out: {"hour": 5, "minute": 31, "second": 17}
